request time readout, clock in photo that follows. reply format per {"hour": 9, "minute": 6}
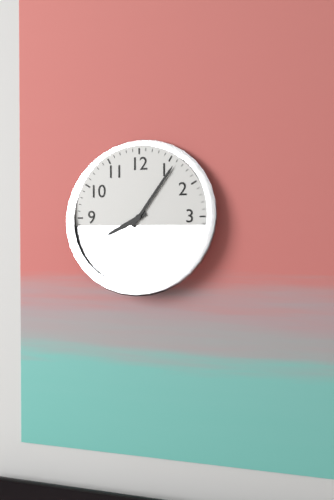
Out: {"hour": 8, "minute": 6}
